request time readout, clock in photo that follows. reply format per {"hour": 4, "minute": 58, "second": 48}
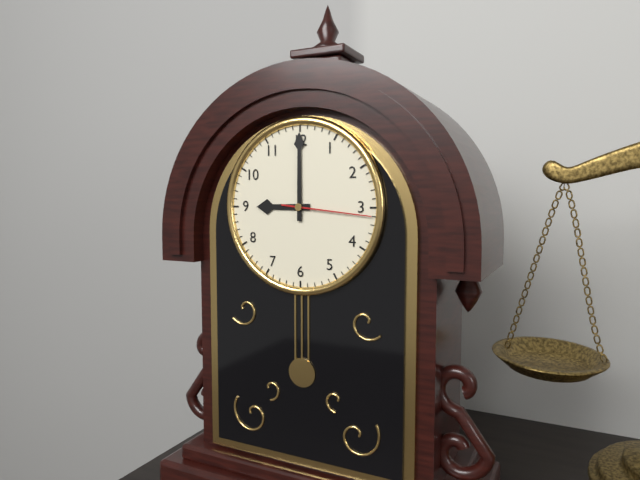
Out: {"hour": 9, "minute": 0, "second": 16}
